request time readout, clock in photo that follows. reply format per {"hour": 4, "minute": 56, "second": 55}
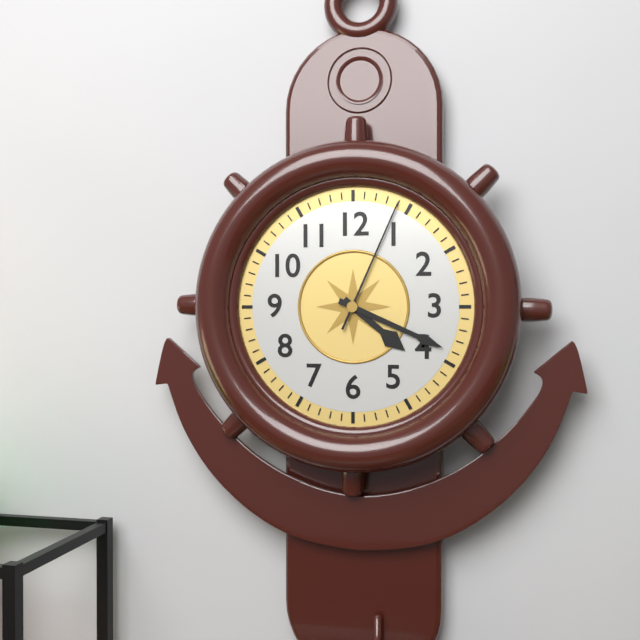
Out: {"hour": 4, "minute": 19, "second": 4}
